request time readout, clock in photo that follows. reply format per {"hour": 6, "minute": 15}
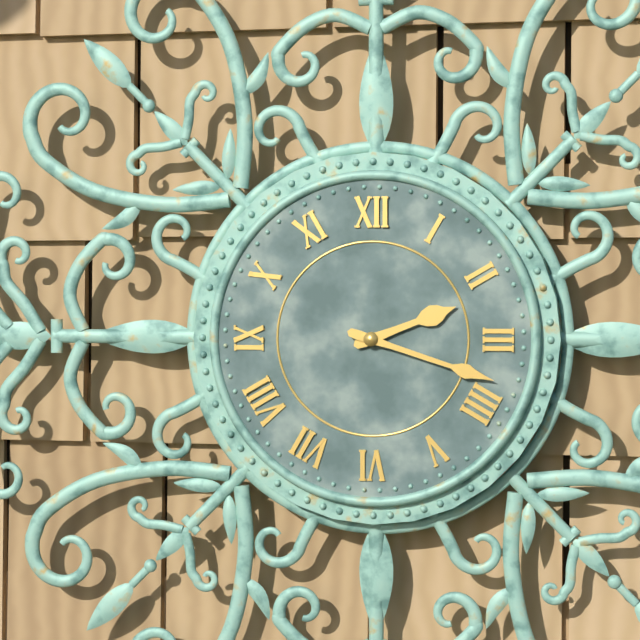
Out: {"hour": 2, "minute": 18}
